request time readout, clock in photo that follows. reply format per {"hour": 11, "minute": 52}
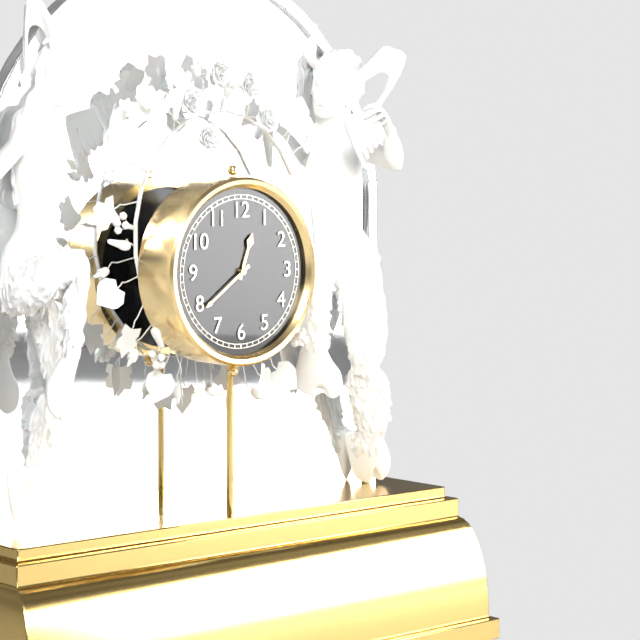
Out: {"hour": 12, "minute": 39}
